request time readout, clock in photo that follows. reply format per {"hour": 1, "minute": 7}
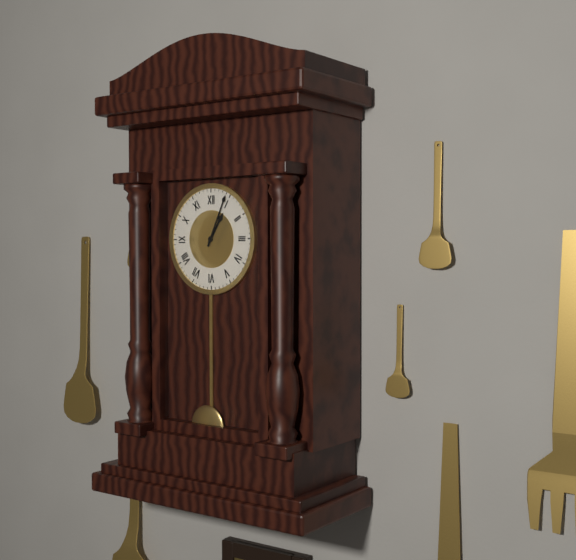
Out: {"hour": 1, "minute": 4}
